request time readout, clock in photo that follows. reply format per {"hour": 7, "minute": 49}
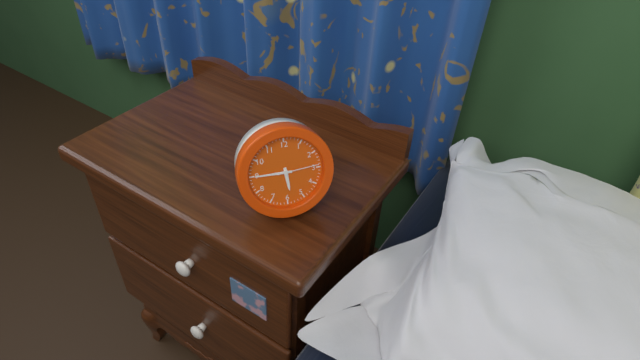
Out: {"hour": 5, "minute": 45}
